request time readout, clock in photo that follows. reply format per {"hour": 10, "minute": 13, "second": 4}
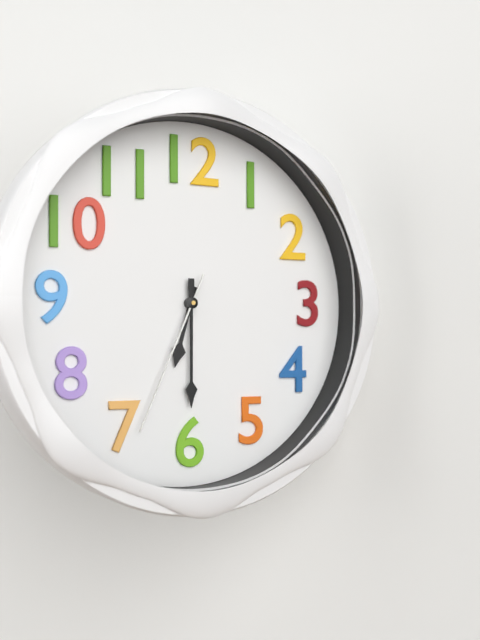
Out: {"hour": 6, "minute": 30, "second": 34}
